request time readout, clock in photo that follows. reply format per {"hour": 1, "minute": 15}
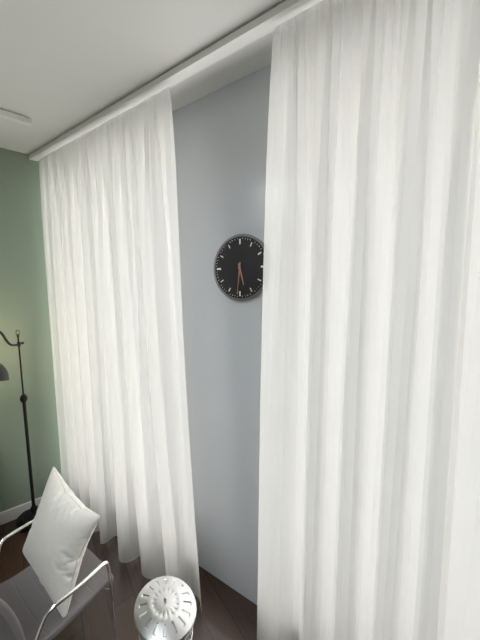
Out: {"hour": 5, "minute": 31}
